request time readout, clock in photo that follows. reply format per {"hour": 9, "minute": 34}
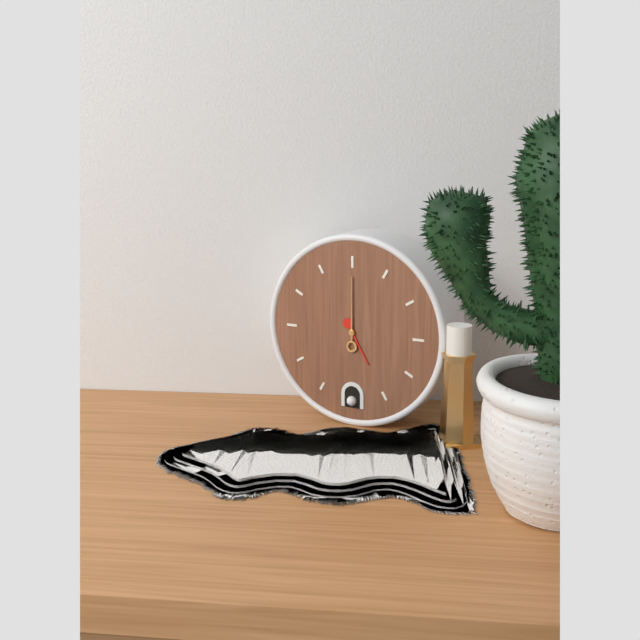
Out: {"hour": 5, "minute": 0}
